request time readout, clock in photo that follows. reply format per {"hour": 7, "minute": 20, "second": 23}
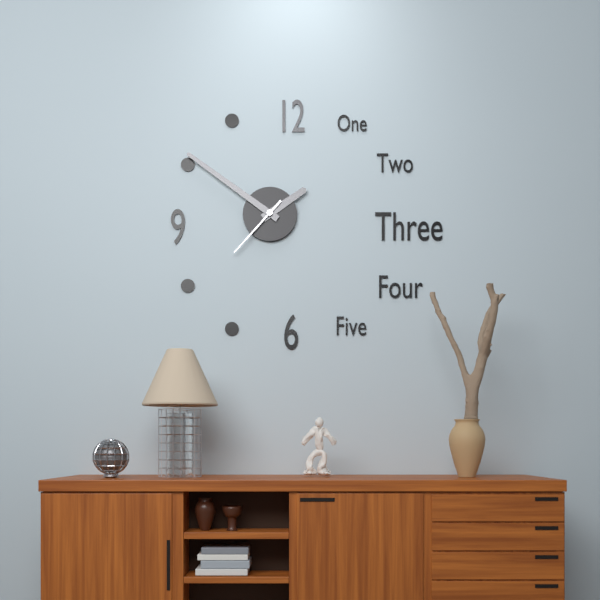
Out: {"hour": 1, "minute": 51, "second": 37}
